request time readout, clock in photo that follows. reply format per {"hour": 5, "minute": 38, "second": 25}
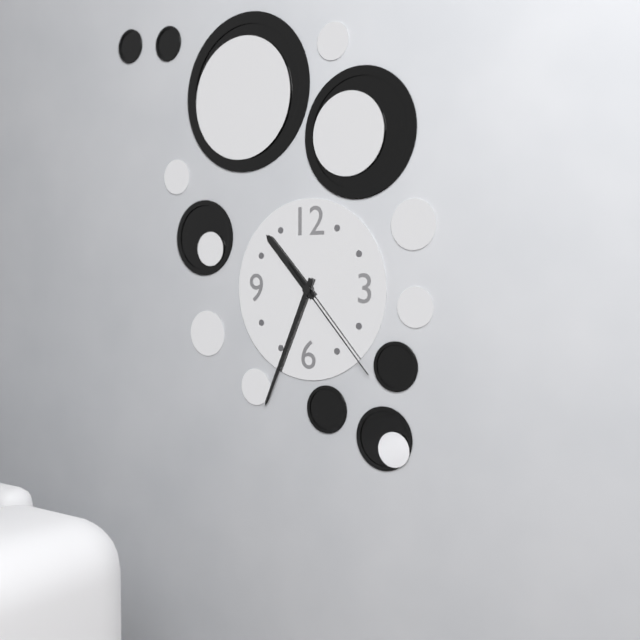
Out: {"hour": 10, "minute": 34, "second": 23}
